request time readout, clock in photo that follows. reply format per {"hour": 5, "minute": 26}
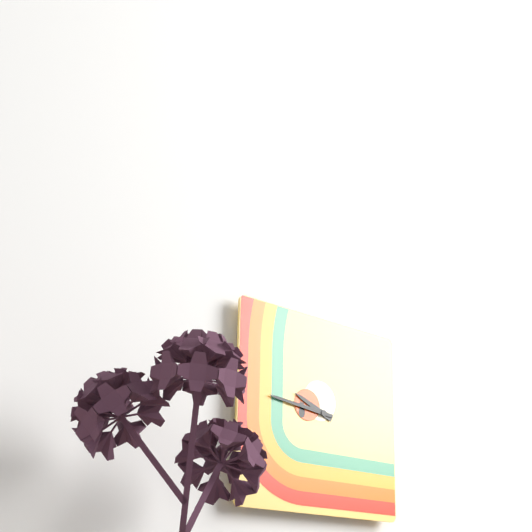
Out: {"hour": 9, "minute": 46}
